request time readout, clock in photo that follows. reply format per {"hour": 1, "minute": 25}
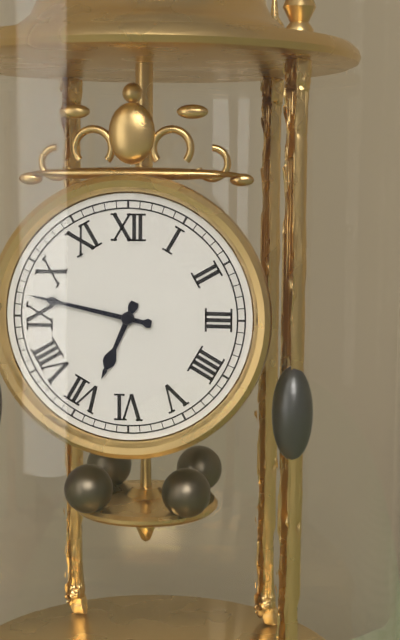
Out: {"hour": 6, "minute": 47}
